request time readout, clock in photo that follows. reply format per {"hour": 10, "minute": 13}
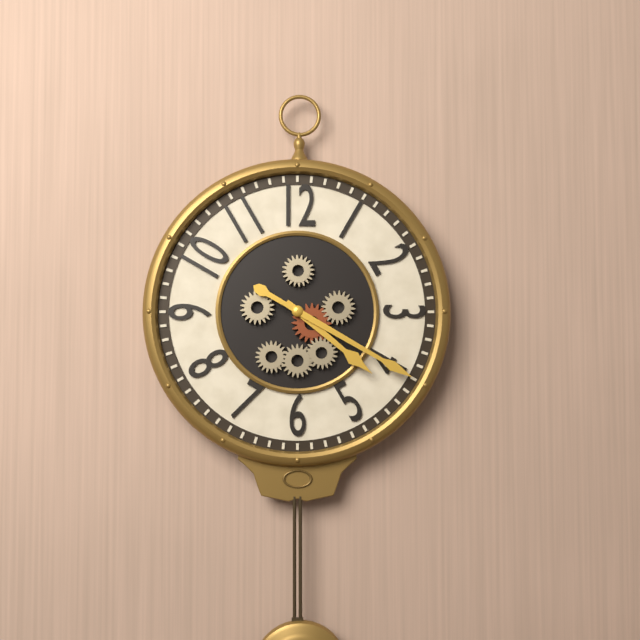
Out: {"hour": 4, "minute": 20}
